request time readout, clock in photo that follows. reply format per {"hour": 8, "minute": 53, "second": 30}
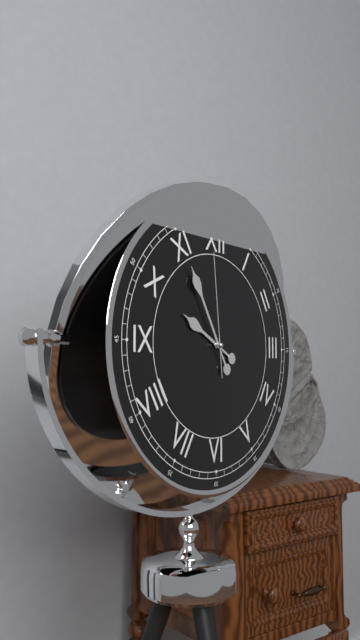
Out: {"hour": 9, "minute": 55, "second": 59}
